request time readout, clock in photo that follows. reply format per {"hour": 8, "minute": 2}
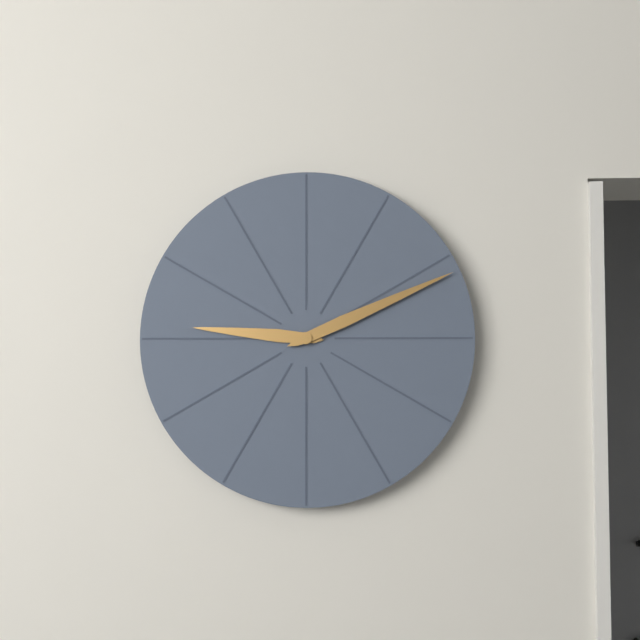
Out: {"hour": 9, "minute": 11}
